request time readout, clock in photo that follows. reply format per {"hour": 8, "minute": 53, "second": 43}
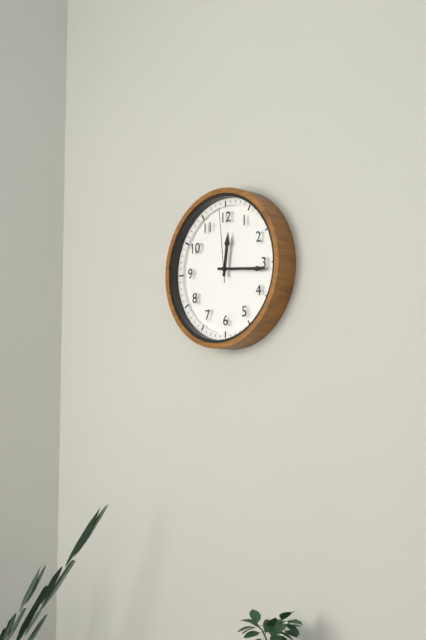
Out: {"hour": 12, "minute": 16, "second": 59}
